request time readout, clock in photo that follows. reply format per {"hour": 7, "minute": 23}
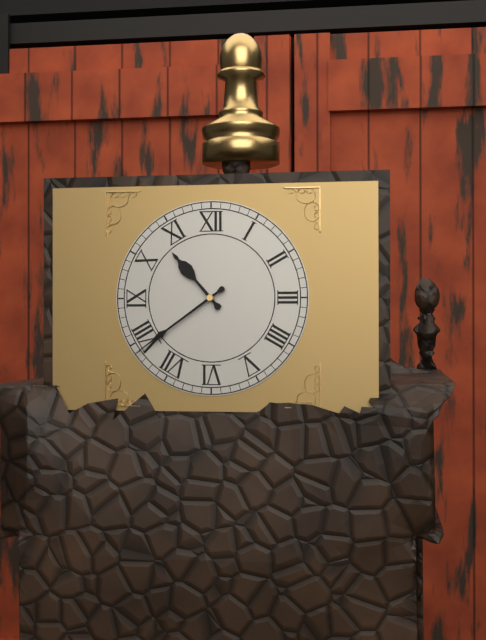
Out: {"hour": 10, "minute": 39}
